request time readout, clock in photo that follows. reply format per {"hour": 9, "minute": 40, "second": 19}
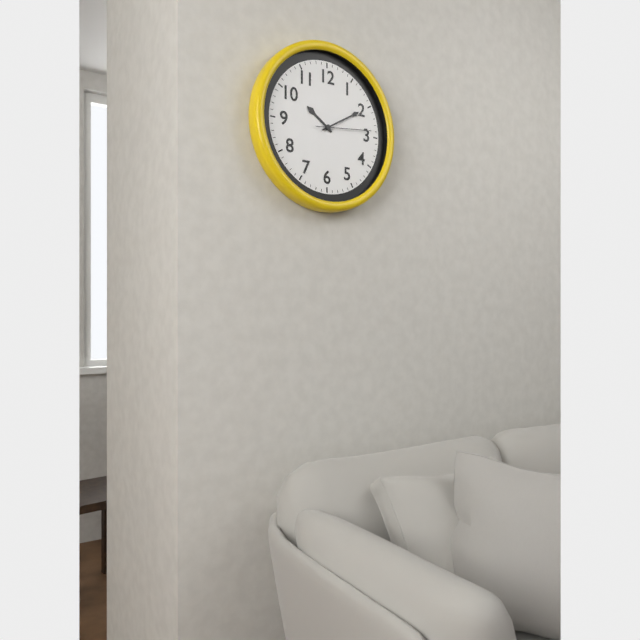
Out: {"hour": 10, "minute": 10, "second": 14}
